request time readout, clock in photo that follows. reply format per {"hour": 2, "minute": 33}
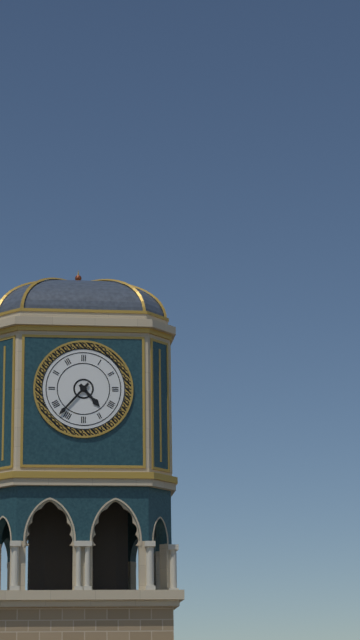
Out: {"hour": 4, "minute": 37}
